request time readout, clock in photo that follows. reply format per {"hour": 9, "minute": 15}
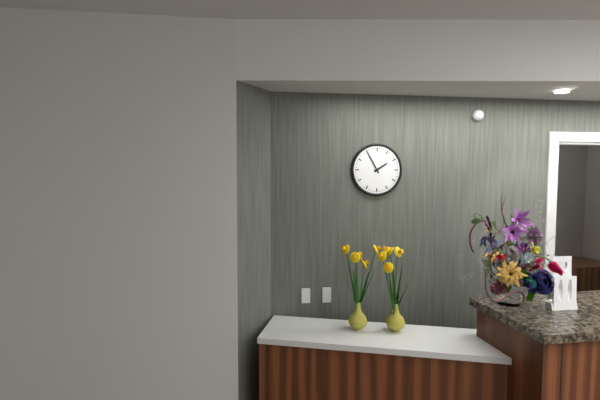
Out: {"hour": 1, "minute": 55}
